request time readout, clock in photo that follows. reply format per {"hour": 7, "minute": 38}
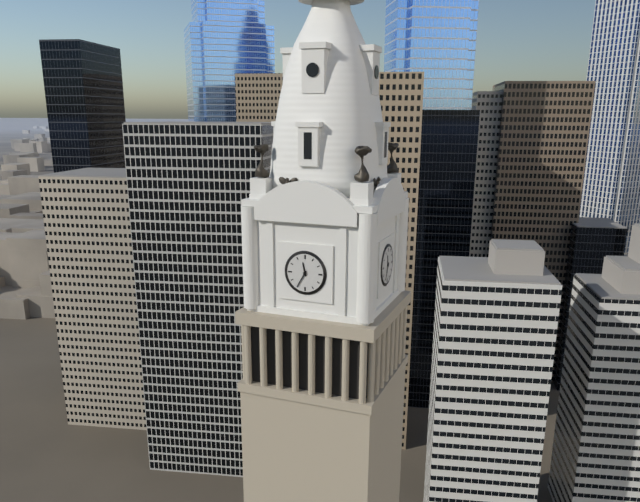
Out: {"hour": 11, "minute": 35}
